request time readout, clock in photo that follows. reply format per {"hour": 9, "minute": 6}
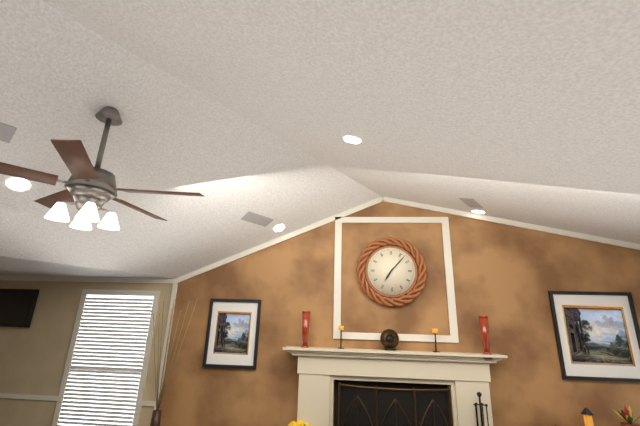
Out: {"hour": 7, "minute": 7}
